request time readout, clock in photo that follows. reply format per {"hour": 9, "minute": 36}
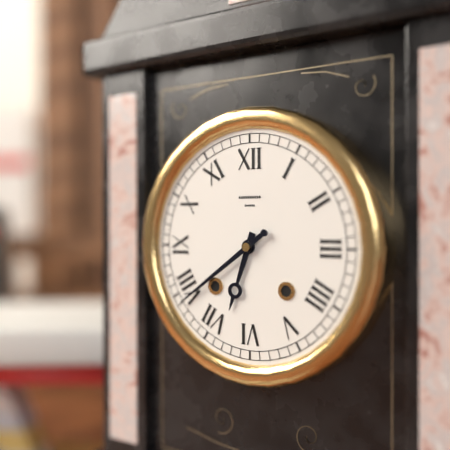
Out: {"hour": 6, "minute": 39}
